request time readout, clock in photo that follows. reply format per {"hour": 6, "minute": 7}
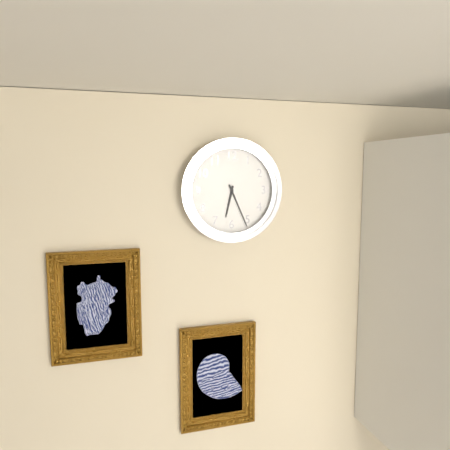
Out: {"hour": 6, "minute": 26}
